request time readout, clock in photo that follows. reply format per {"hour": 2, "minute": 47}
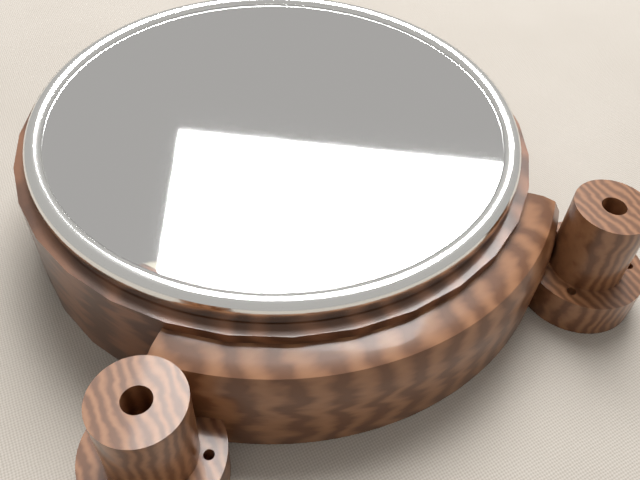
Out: {"hour": 1, "minute": 10}
